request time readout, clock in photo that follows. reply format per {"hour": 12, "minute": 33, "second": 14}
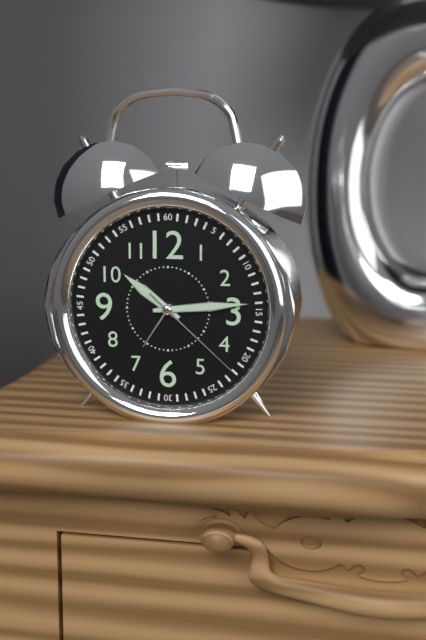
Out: {"hour": 10, "minute": 14, "second": 22}
